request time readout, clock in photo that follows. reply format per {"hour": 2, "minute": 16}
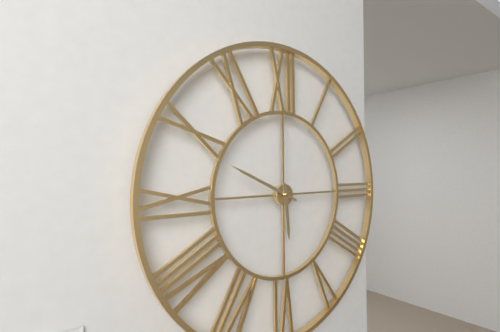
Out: {"hour": 5, "minute": 49}
